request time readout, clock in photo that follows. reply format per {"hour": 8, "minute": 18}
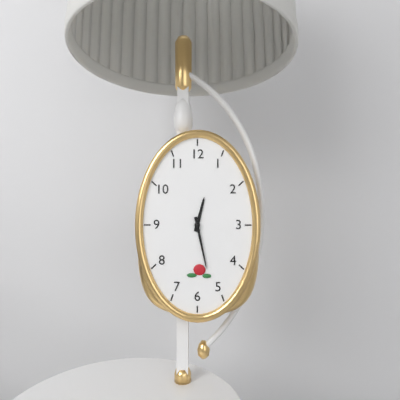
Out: {"hour": 12, "minute": 28}
